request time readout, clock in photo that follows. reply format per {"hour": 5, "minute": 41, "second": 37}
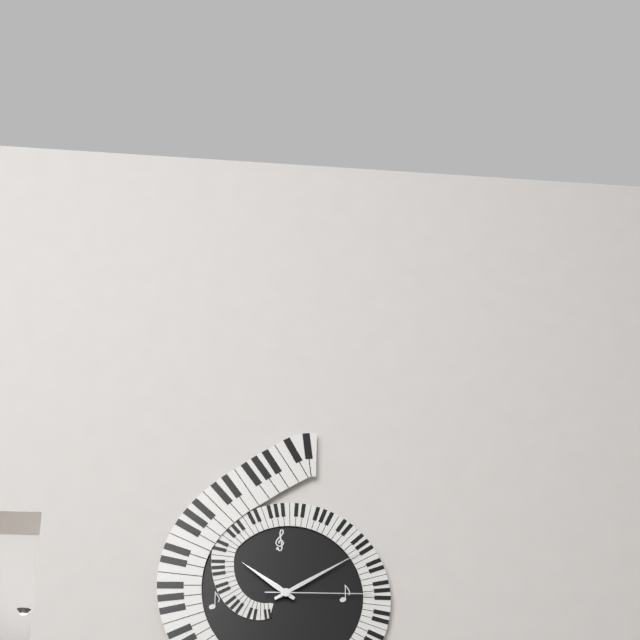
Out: {"hour": 10, "minute": 10, "second": 15}
